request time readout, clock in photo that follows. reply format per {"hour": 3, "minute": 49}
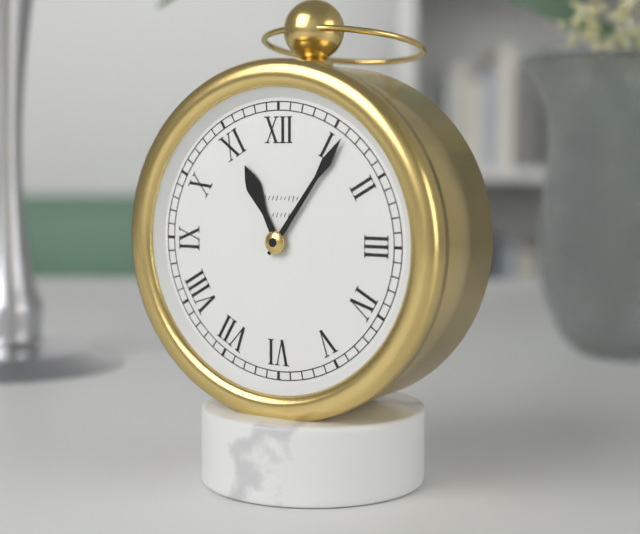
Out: {"hour": 11, "minute": 6}
